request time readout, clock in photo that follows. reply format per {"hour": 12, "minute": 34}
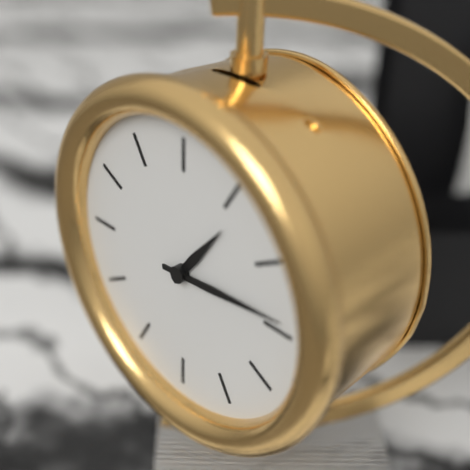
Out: {"hour": 1, "minute": 14}
